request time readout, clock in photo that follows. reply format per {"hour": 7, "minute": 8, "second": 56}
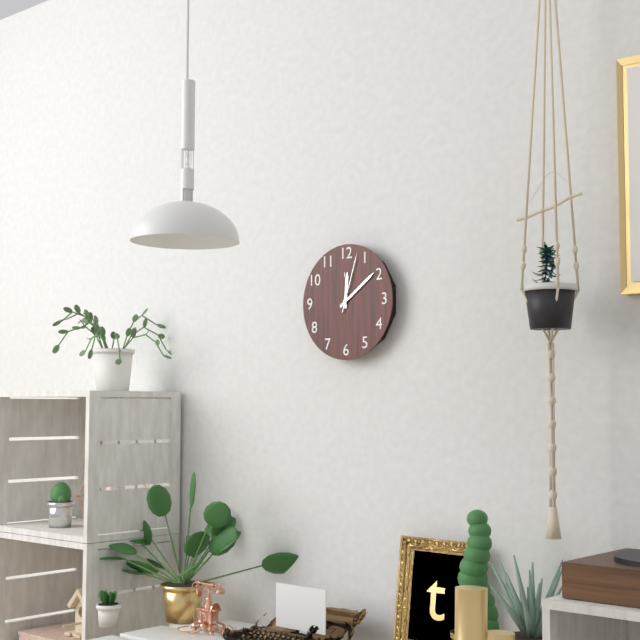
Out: {"hour": 12, "minute": 9, "second": 3}
